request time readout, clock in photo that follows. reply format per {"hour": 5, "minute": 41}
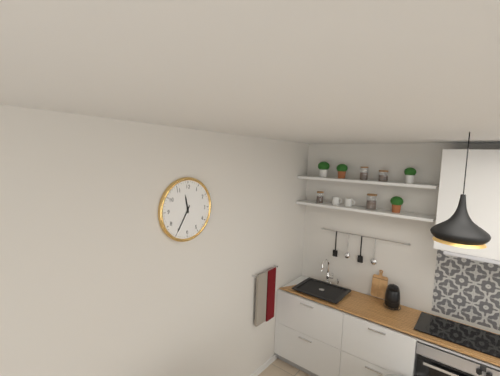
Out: {"hour": 11, "minute": 35}
